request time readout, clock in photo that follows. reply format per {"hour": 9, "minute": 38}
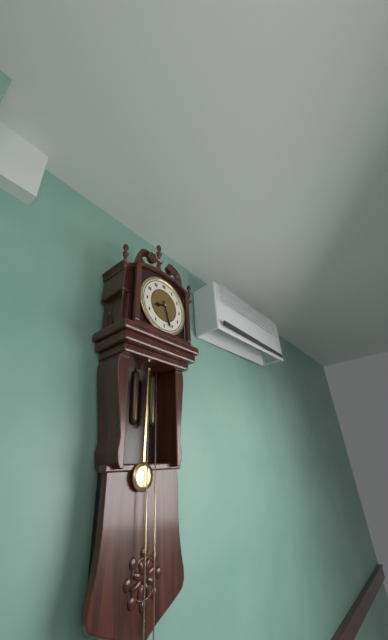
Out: {"hour": 8, "minute": 27}
